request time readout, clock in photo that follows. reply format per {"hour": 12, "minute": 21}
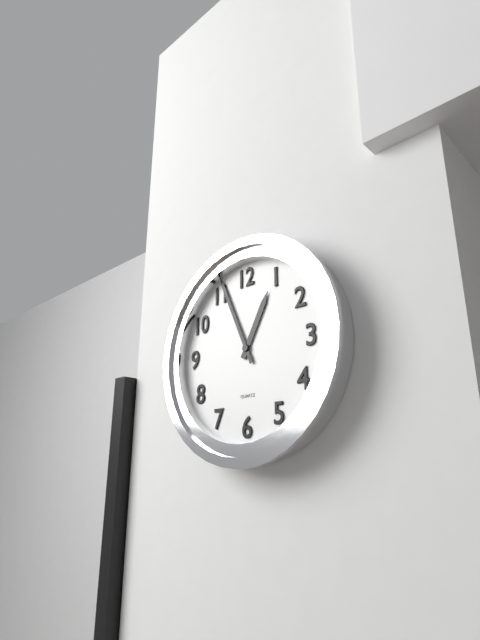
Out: {"hour": 12, "minute": 56}
